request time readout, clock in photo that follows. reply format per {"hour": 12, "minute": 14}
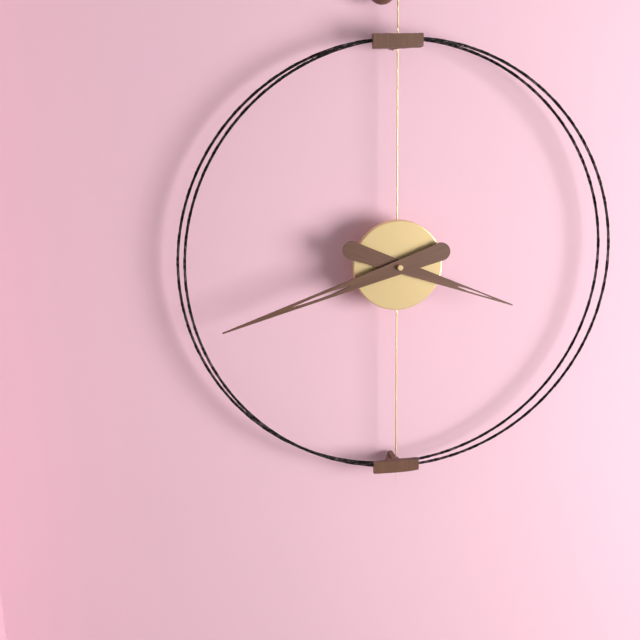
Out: {"hour": 3, "minute": 42}
